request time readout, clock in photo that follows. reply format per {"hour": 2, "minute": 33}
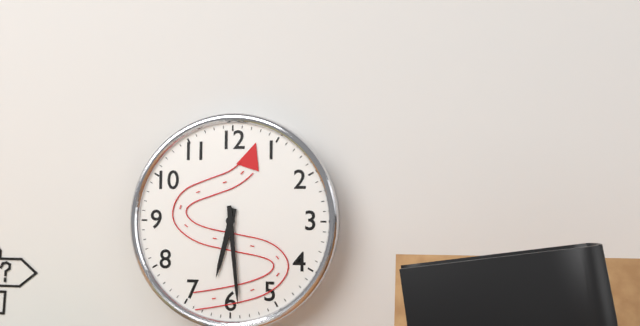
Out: {"hour": 6, "minute": 29}
